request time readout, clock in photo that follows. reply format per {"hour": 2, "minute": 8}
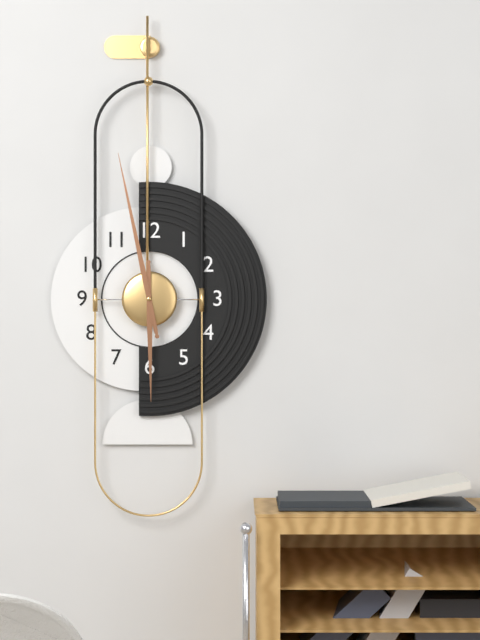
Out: {"hour": 5, "minute": 58}
